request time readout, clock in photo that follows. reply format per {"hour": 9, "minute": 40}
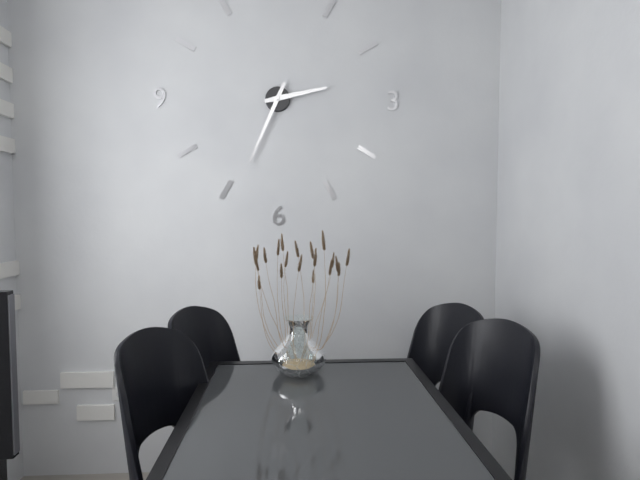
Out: {"hour": 2, "minute": 34}
